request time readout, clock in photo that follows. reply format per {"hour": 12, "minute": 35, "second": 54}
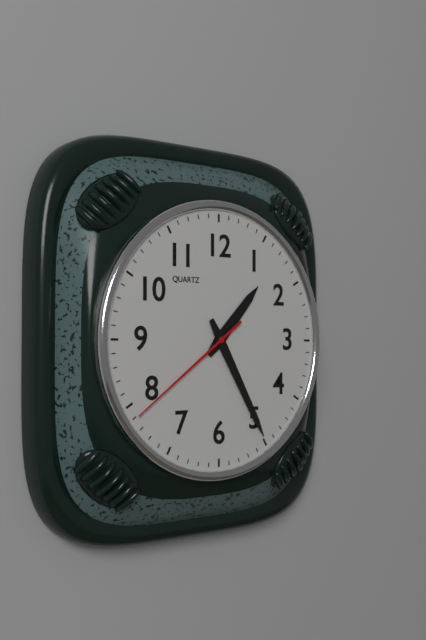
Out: {"hour": 1, "minute": 25, "second": 39}
